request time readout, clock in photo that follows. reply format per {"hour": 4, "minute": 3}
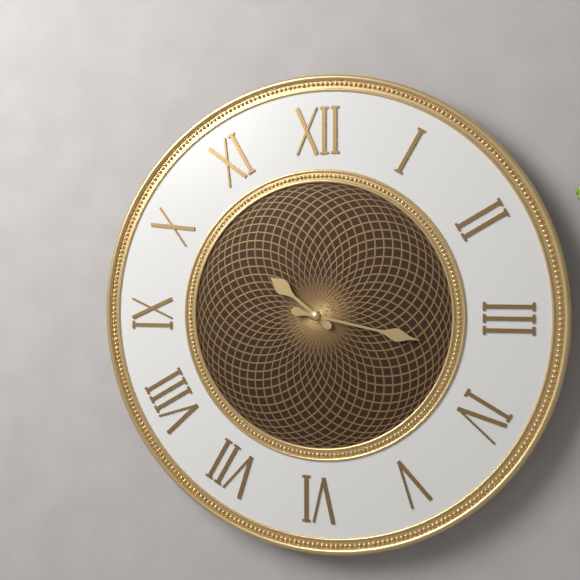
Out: {"hour": 10, "minute": 17}
